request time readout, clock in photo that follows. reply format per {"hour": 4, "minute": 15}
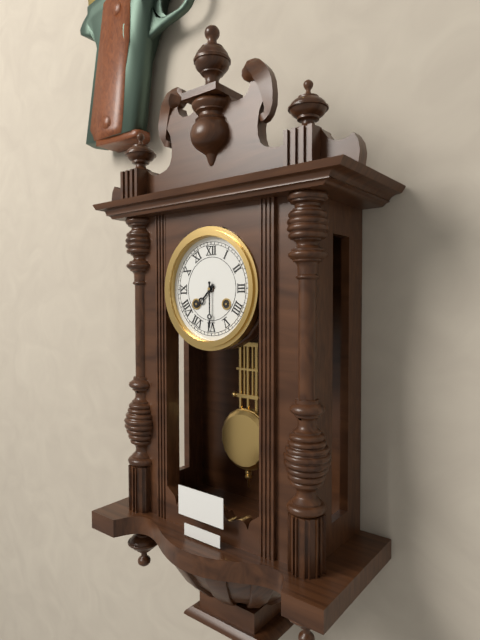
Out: {"hour": 7, "minute": 30}
